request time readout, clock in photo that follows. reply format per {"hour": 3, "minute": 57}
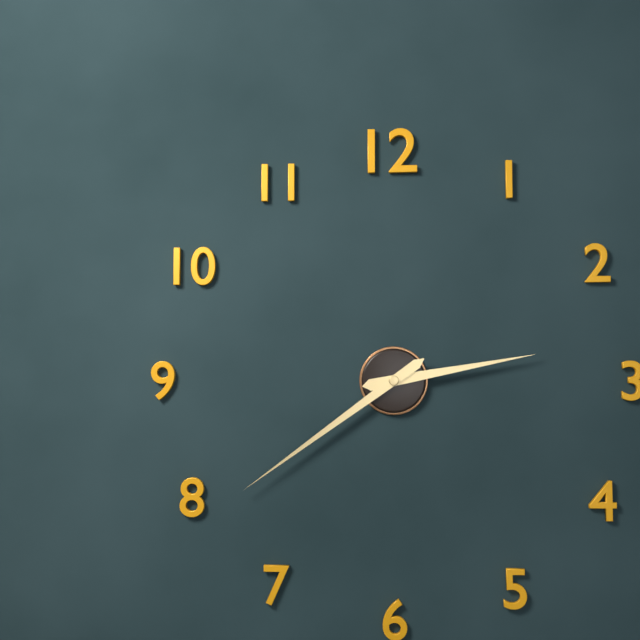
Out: {"hour": 2, "minute": 39}
